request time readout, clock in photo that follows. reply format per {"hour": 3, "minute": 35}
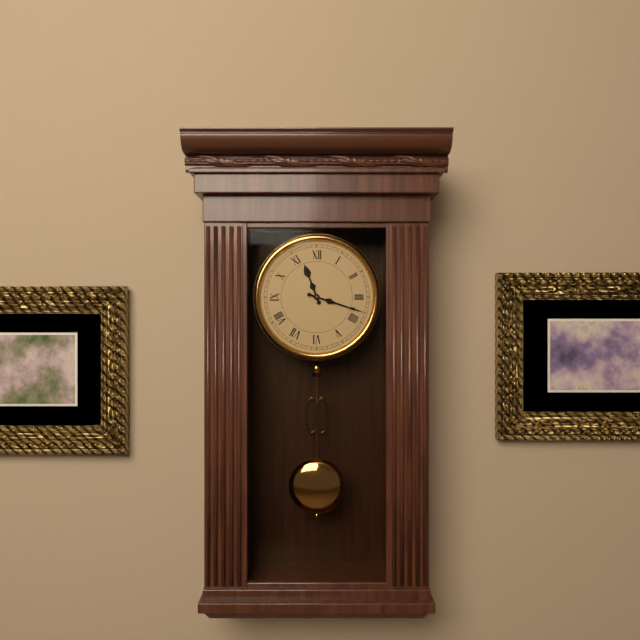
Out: {"hour": 11, "minute": 18}
